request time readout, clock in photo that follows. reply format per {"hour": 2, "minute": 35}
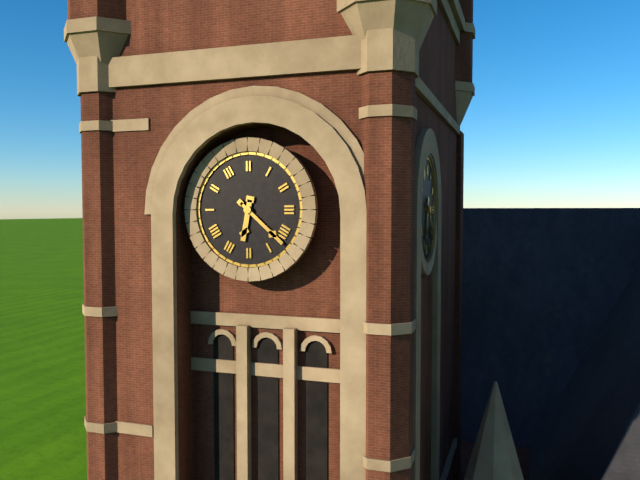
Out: {"hour": 6, "minute": 22}
